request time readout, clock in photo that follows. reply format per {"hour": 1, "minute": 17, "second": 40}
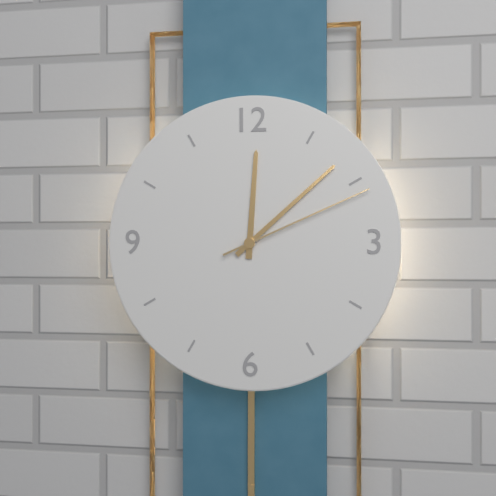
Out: {"hour": 12, "minute": 8, "second": 11}
